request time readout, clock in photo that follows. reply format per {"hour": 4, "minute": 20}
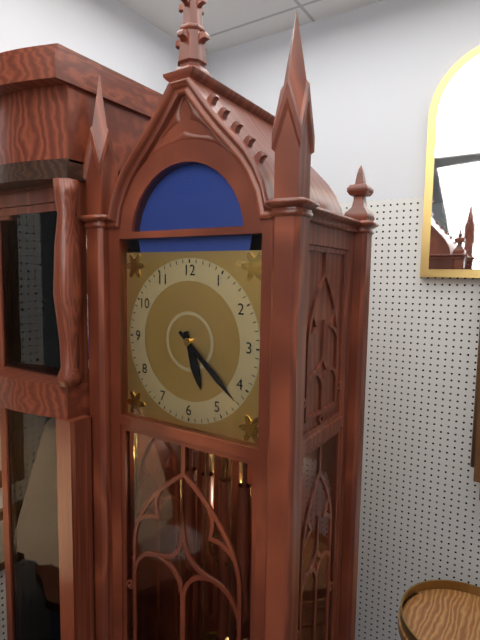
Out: {"hour": 5, "minute": 22}
